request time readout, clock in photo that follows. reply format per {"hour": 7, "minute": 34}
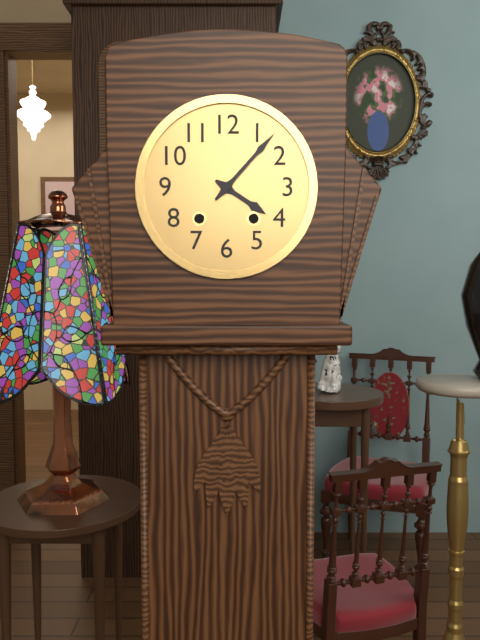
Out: {"hour": 4, "minute": 7}
